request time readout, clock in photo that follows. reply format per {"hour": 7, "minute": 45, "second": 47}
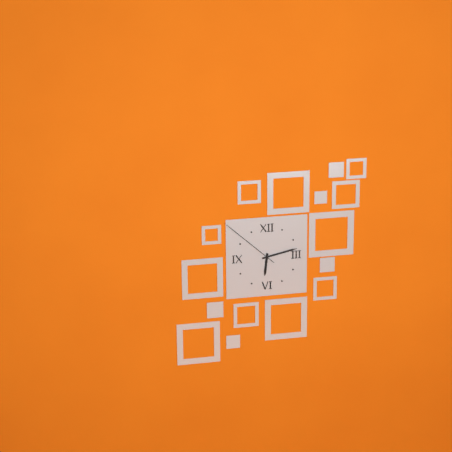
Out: {"hour": 6, "minute": 13, "second": 52}
